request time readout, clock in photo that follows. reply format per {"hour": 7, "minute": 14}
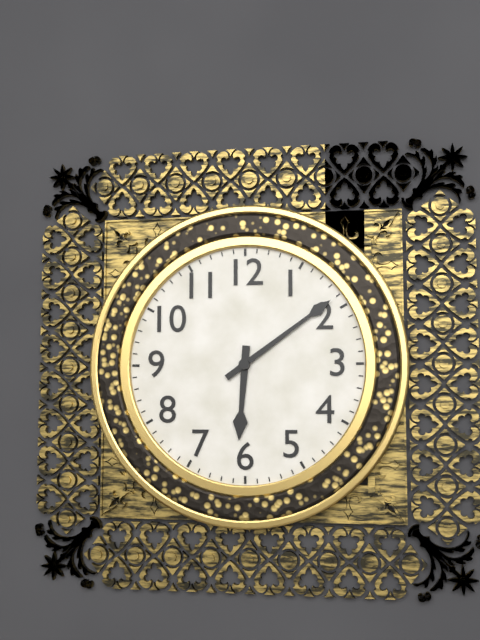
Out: {"hour": 6, "minute": 9}
